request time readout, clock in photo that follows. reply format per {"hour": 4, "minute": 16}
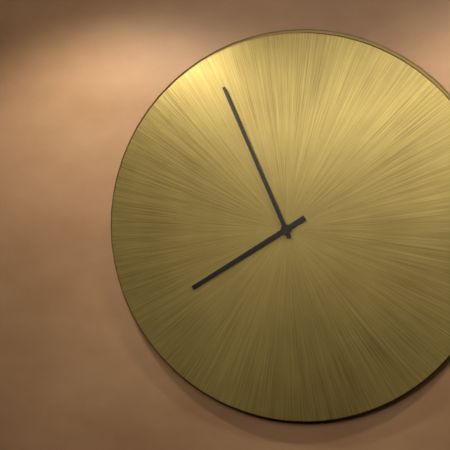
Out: {"hour": 7, "minute": 56}
